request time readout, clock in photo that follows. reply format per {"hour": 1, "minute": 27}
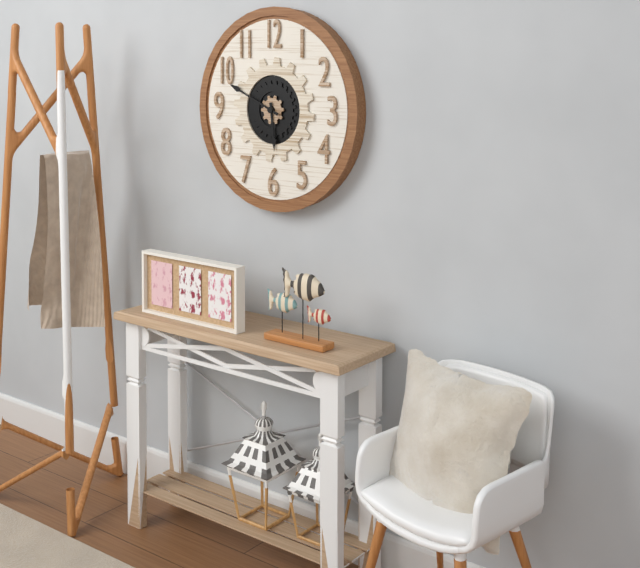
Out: {"hour": 5, "minute": 49}
